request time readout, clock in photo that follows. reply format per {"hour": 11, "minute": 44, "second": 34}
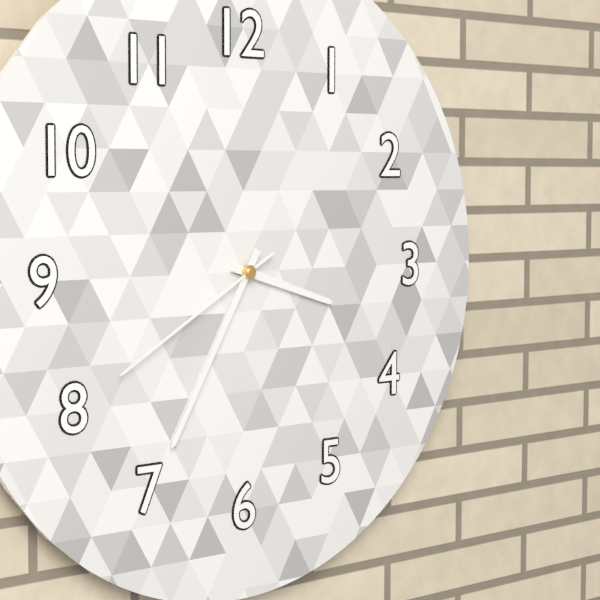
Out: {"hour": 3, "minute": 35, "second": 40}
